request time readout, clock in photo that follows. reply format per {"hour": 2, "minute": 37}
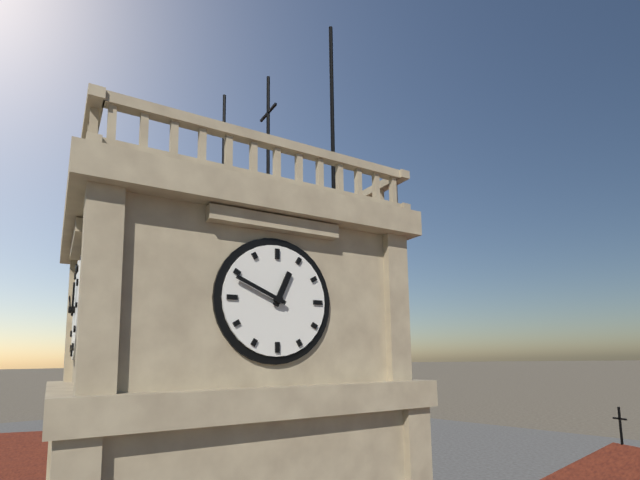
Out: {"hour": 12, "minute": 49}
